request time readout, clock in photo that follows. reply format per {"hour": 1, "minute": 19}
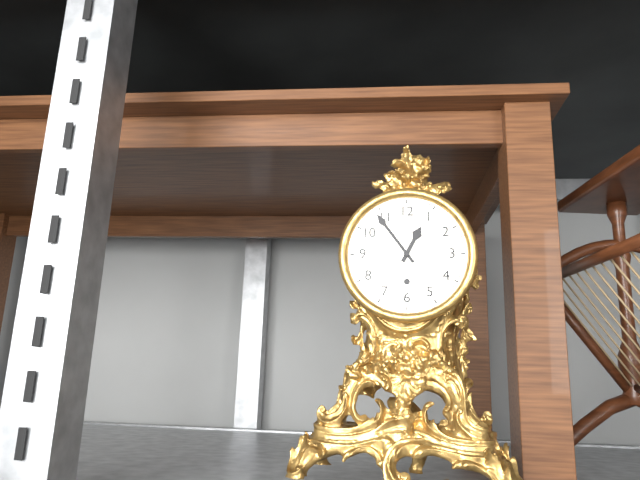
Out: {"hour": 12, "minute": 54}
